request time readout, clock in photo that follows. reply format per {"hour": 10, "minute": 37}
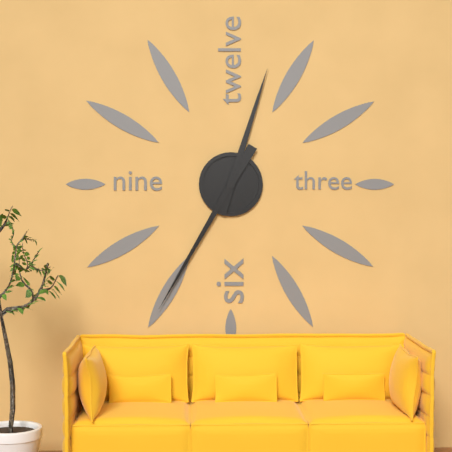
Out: {"hour": 12, "minute": 35}
